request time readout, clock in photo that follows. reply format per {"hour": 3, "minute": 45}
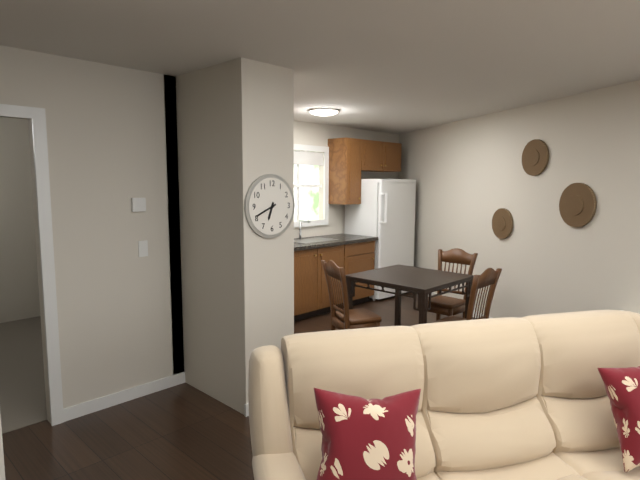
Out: {"hour": 6, "minute": 41}
